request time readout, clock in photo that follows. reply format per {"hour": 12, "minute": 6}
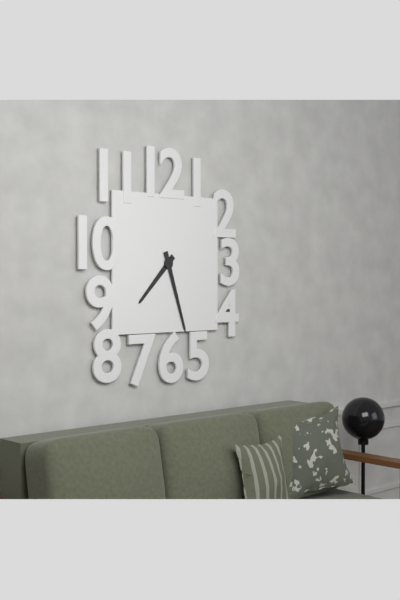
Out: {"hour": 7, "minute": 27}
